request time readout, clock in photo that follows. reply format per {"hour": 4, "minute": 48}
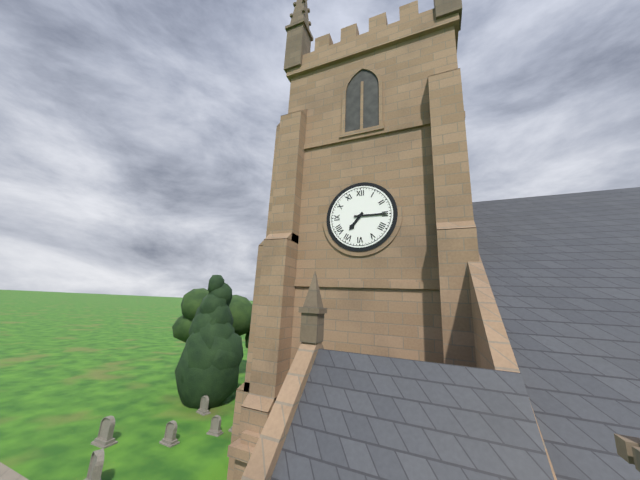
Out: {"hour": 7, "minute": 15}
